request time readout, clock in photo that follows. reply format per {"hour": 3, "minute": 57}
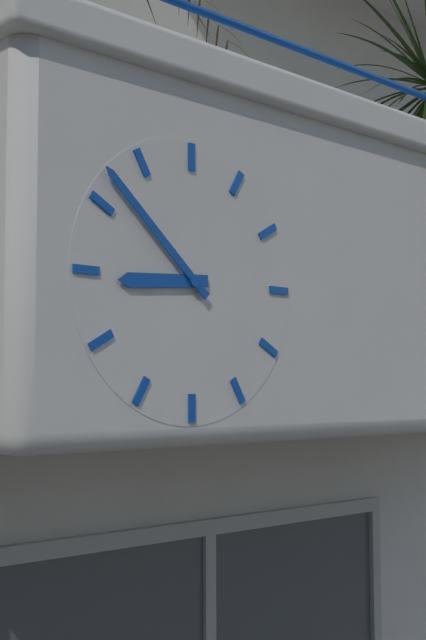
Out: {"hour": 8, "minute": 52}
